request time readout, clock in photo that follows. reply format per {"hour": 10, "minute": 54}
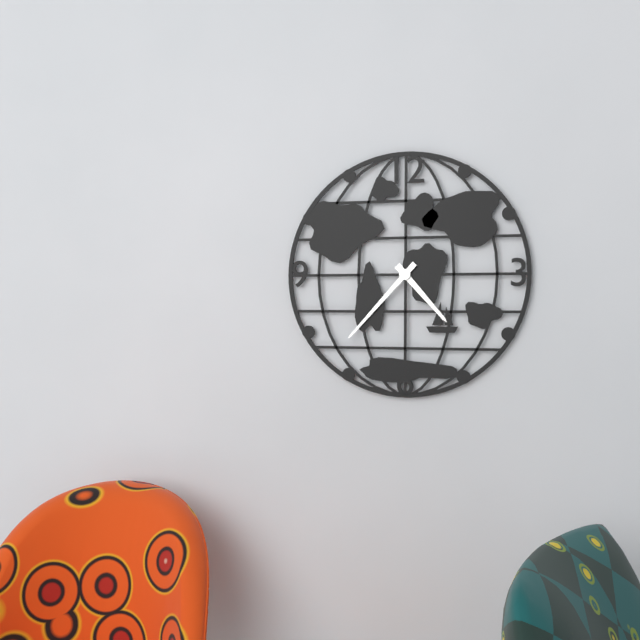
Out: {"hour": 4, "minute": 37}
